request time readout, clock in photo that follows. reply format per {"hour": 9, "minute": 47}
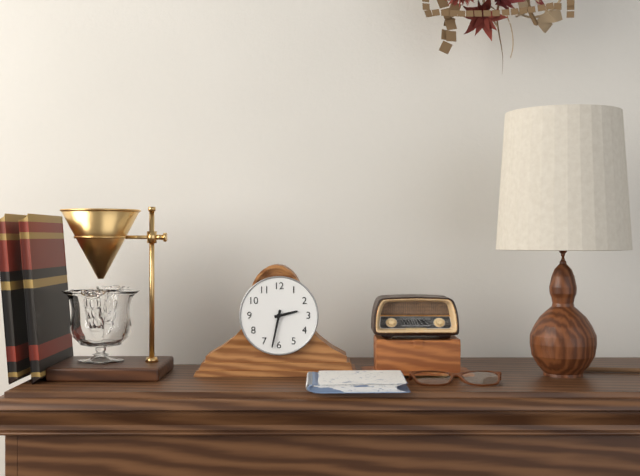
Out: {"hour": 2, "minute": 32}
